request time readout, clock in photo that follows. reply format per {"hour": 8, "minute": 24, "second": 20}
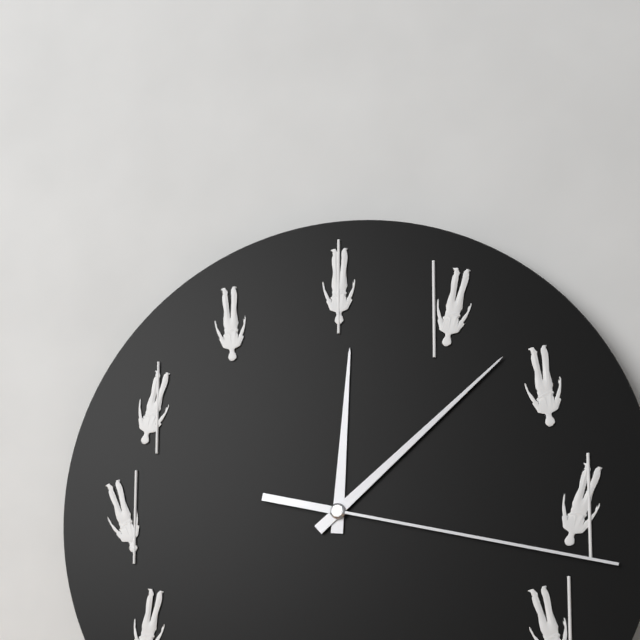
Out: {"hour": 12, "minute": 8, "second": 17}
